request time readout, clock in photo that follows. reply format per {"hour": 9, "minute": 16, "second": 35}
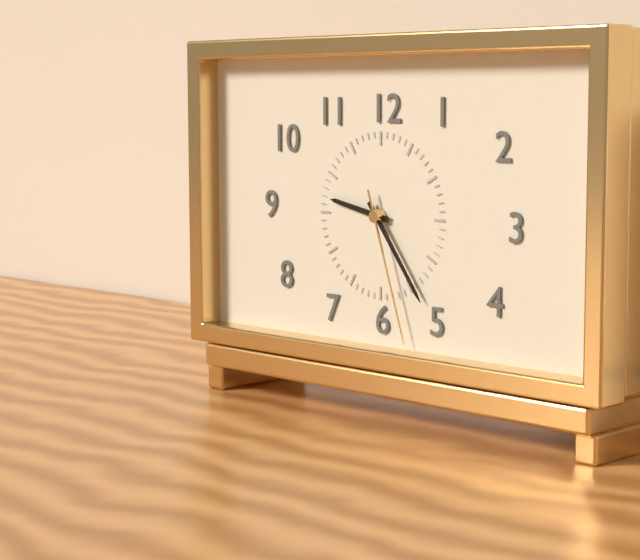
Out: {"hour": 9, "minute": 24, "second": 27}
